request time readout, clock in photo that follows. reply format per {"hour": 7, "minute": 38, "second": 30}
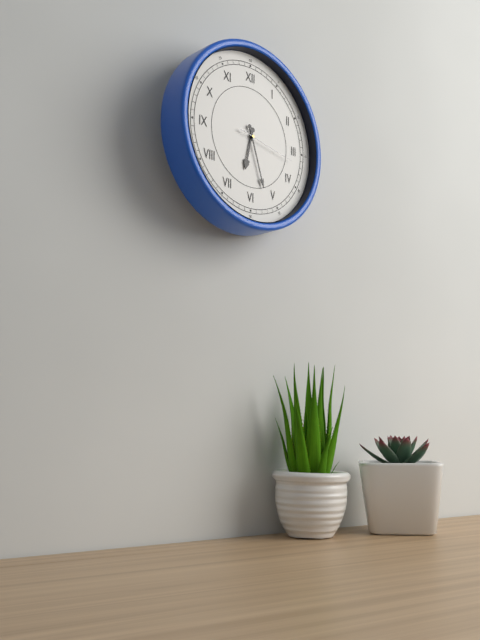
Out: {"hour": 6, "minute": 27, "second": 17}
